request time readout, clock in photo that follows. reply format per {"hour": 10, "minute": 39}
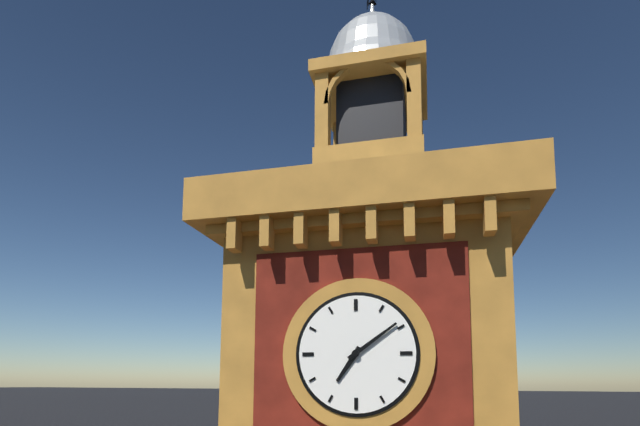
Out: {"hour": 7, "minute": 9}
